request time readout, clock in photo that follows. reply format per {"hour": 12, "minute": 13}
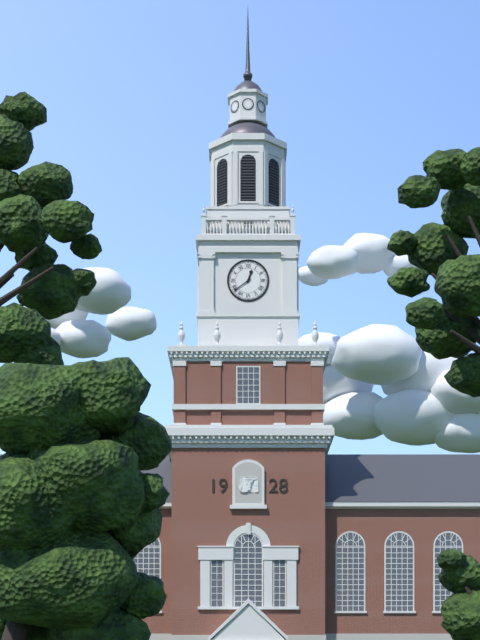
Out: {"hour": 12, "minute": 39}
